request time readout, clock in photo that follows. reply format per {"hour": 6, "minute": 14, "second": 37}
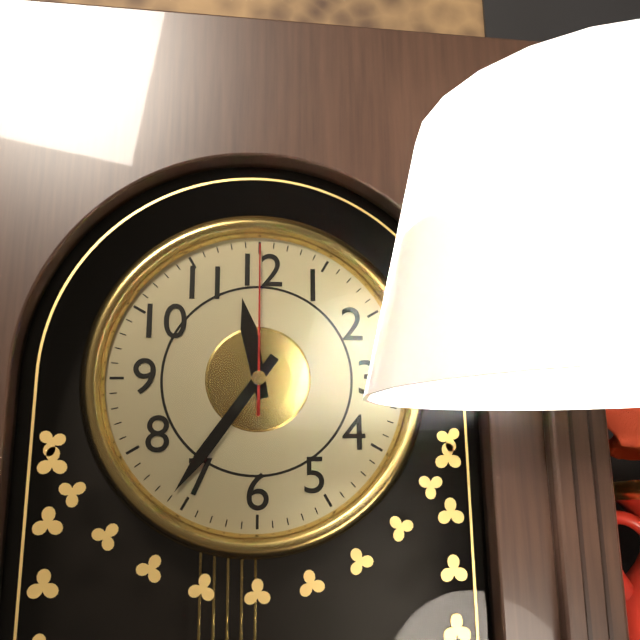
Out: {"hour": 11, "minute": 36, "second": 0}
